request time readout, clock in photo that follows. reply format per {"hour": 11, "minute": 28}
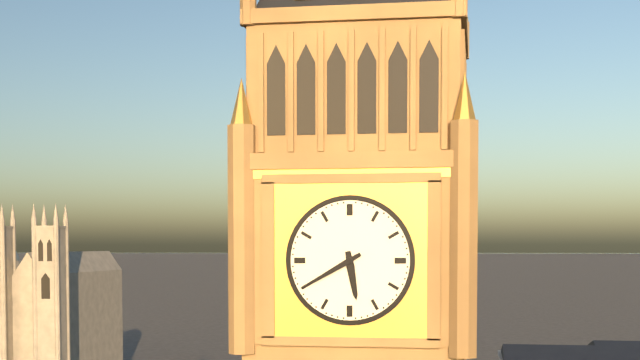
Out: {"hour": 5, "minute": 40}
